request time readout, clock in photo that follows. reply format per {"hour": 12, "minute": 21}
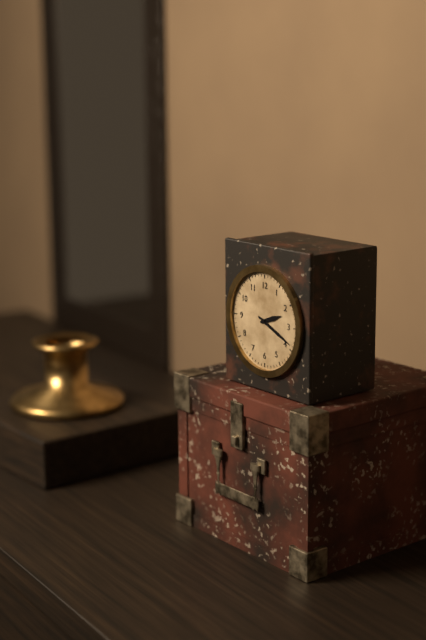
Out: {"hour": 2, "minute": 19}
